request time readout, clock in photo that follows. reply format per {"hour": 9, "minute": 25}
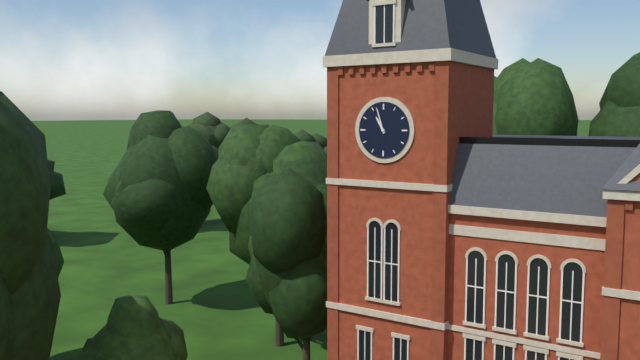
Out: {"hour": 10, "minute": 57}
